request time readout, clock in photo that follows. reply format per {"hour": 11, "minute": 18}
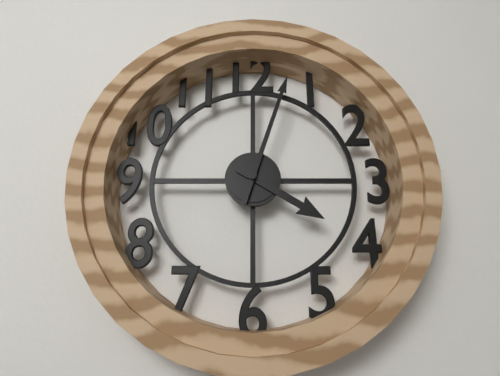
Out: {"hour": 4, "minute": 3}
